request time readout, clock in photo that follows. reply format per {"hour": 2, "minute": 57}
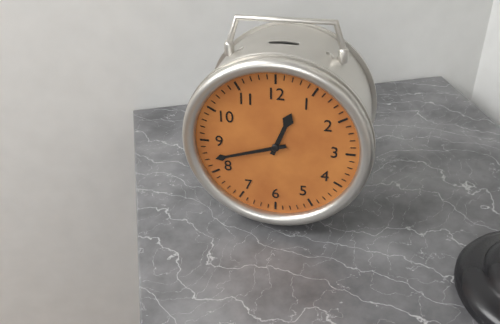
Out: {"hour": 12, "minute": 42}
